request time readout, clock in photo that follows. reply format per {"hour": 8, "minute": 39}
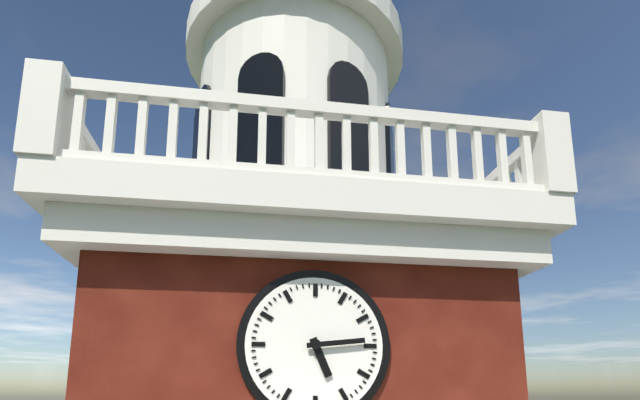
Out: {"hour": 5, "minute": 14}
